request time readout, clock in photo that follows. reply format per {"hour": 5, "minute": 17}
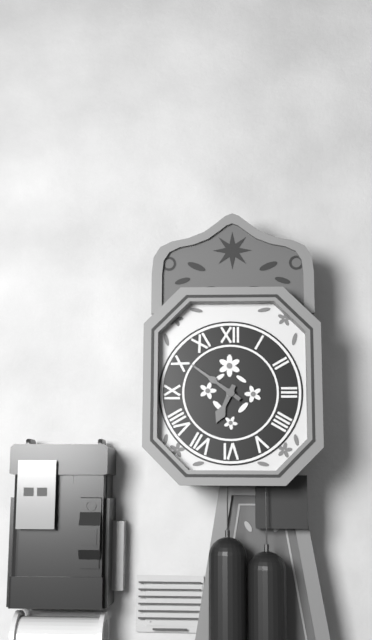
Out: {"hour": 6, "minute": 51}
